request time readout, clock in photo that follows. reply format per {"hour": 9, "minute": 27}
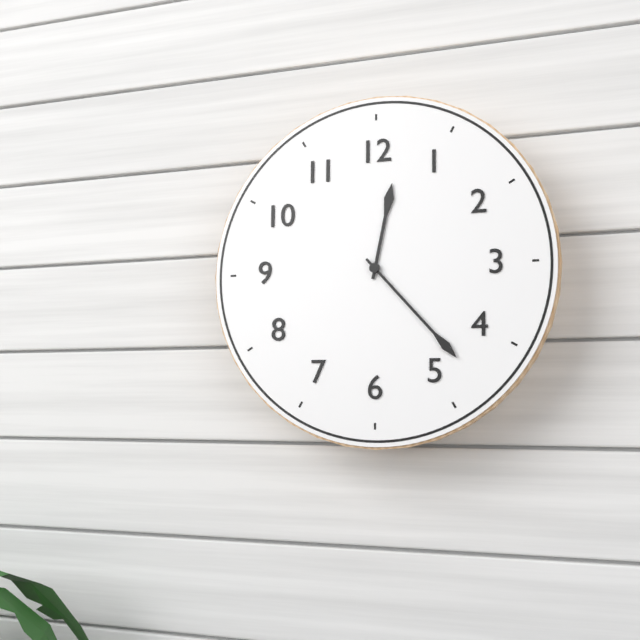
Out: {"hour": 12, "minute": 23}
